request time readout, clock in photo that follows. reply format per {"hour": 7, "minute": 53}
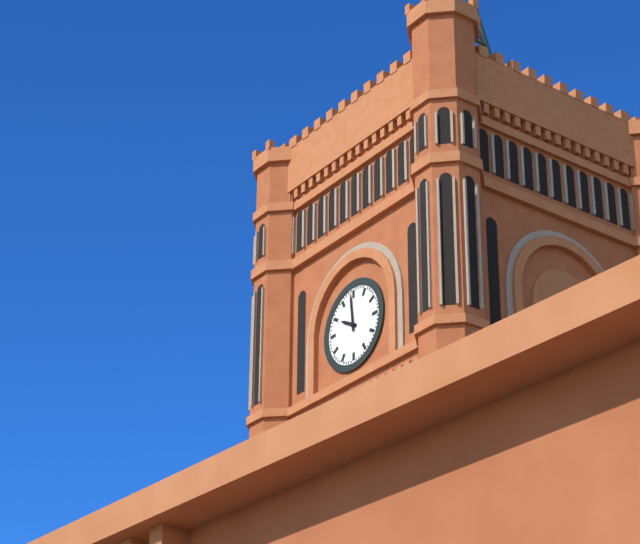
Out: {"hour": 9, "minute": 59}
